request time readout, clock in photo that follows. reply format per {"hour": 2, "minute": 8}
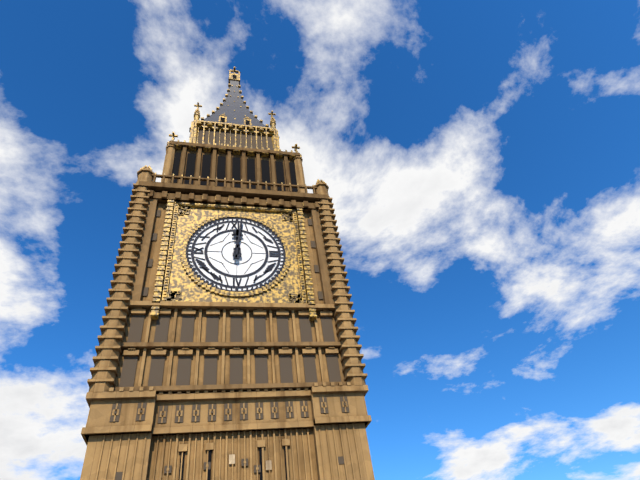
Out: {"hour": 12, "minute": 1}
